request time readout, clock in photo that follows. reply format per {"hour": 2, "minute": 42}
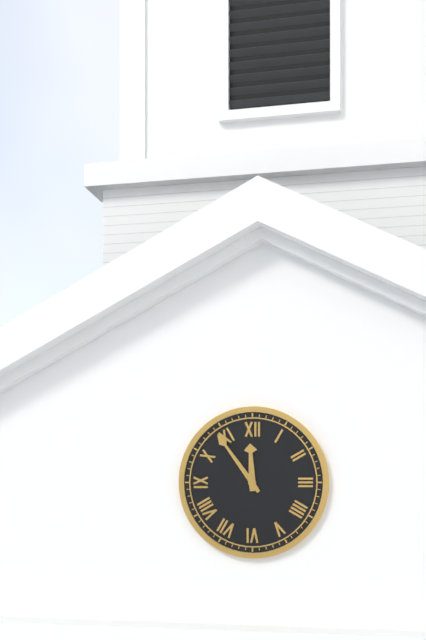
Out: {"hour": 11, "minute": 54}
